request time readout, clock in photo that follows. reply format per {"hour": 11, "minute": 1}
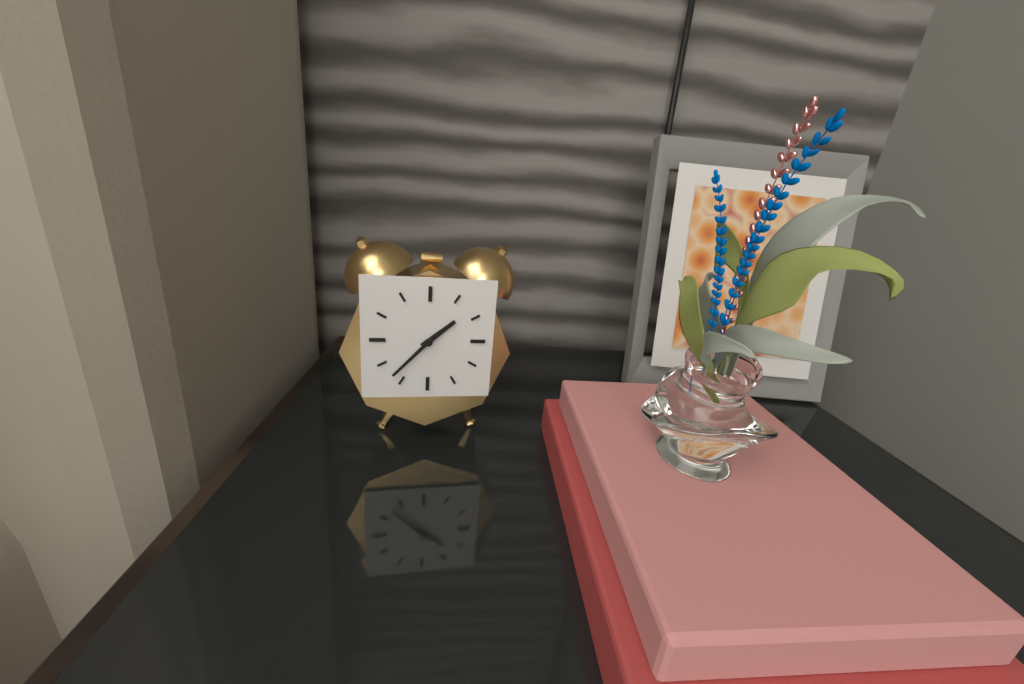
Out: {"hour": 1, "minute": 37}
